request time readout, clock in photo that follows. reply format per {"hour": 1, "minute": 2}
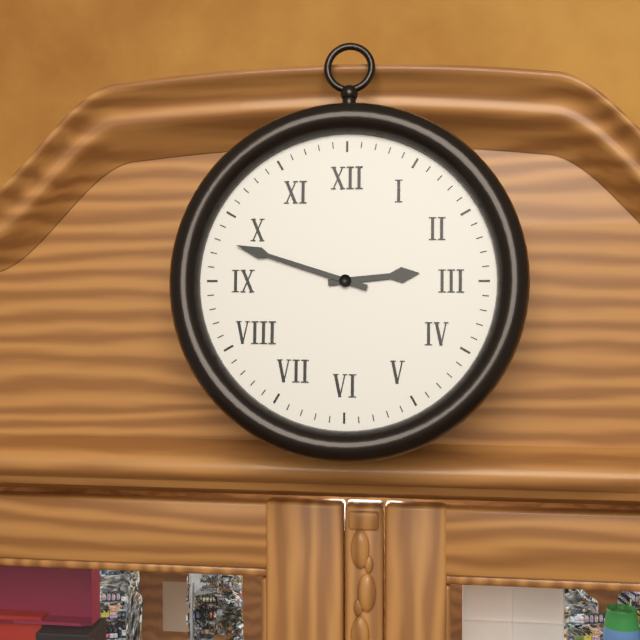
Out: {"hour": 2, "minute": 48}
